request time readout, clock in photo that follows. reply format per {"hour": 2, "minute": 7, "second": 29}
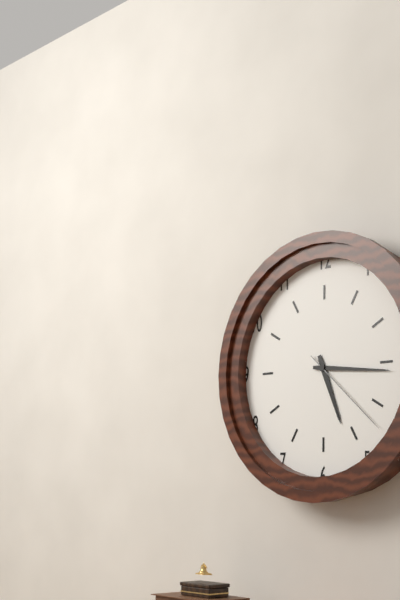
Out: {"hour": 5, "minute": 16, "second": 22}
